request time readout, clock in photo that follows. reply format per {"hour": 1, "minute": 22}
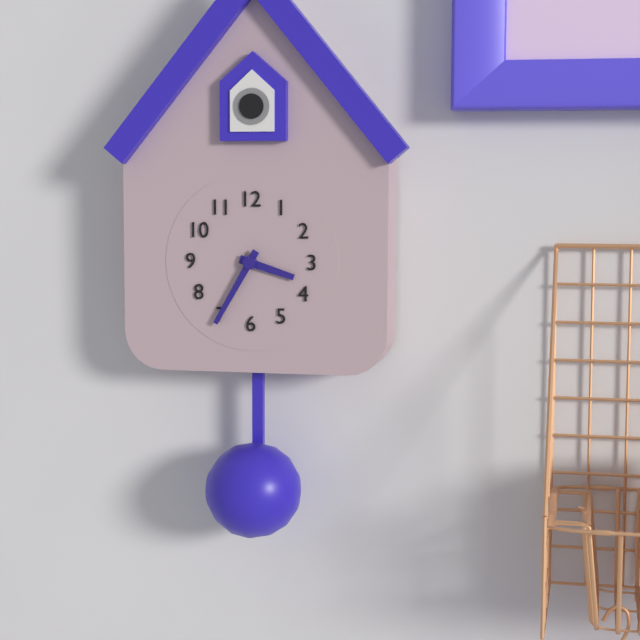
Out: {"hour": 3, "minute": 35}
